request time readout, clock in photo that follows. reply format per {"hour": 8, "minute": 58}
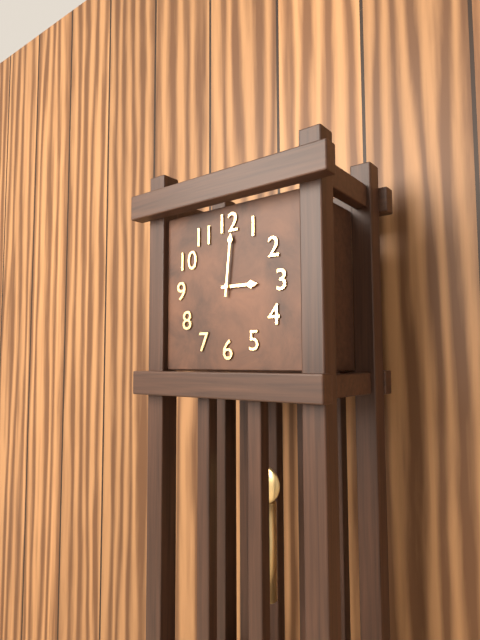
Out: {"hour": 3, "minute": 1}
